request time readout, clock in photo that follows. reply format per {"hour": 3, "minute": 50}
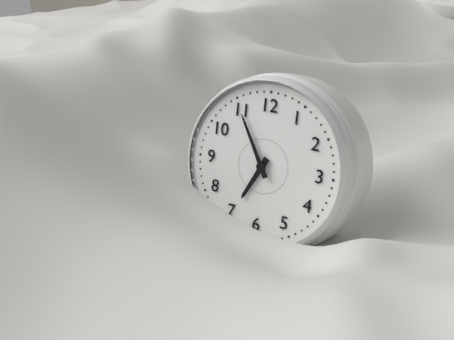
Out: {"hour": 6, "minute": 55}
